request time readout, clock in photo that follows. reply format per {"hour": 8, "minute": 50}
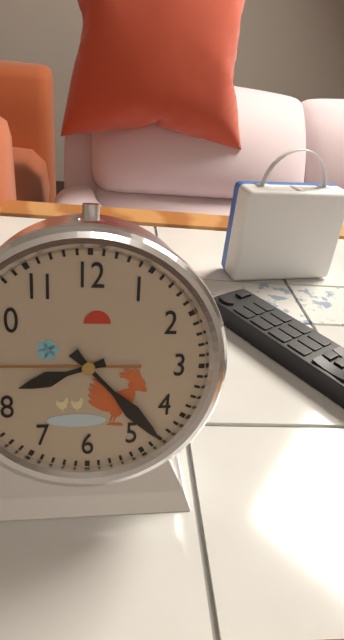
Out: {"hour": 8, "minute": 23}
